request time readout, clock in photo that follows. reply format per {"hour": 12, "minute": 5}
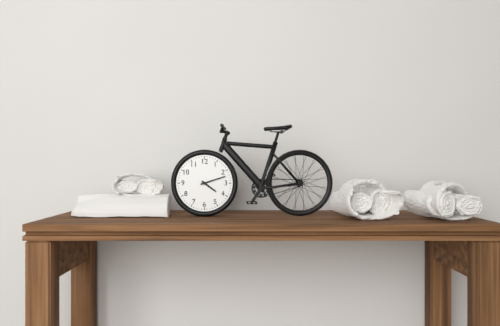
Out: {"hour": 4, "minute": 12}
